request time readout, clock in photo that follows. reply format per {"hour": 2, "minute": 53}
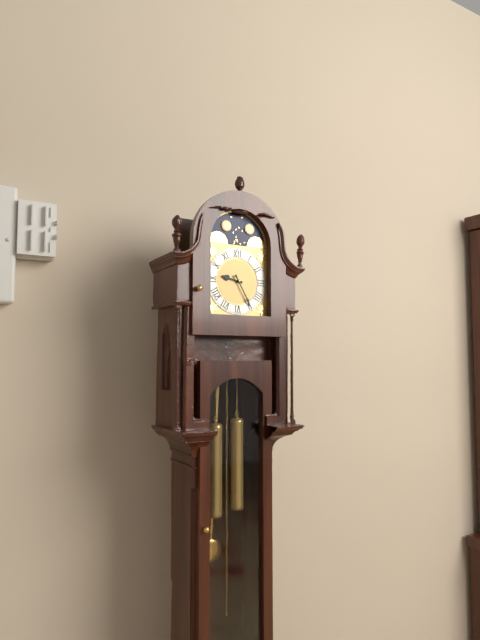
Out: {"hour": 9, "minute": 25}
